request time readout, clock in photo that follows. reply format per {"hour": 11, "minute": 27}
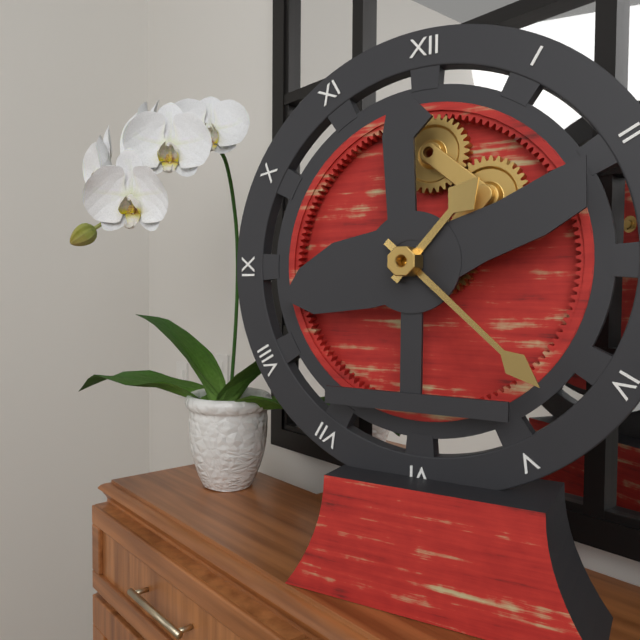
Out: {"hour": 1, "minute": 22}
